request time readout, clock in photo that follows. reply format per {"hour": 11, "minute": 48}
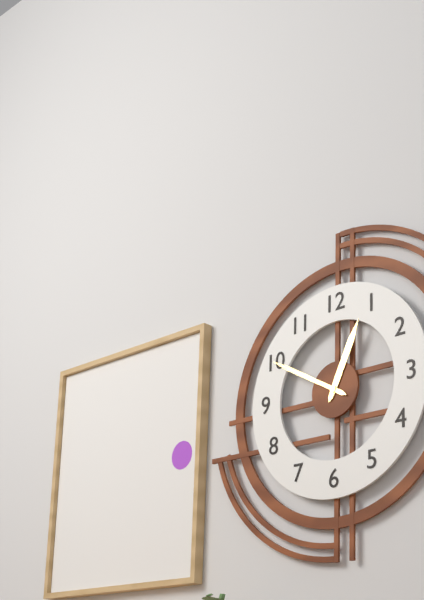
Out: {"hour": 12, "minute": 50}
